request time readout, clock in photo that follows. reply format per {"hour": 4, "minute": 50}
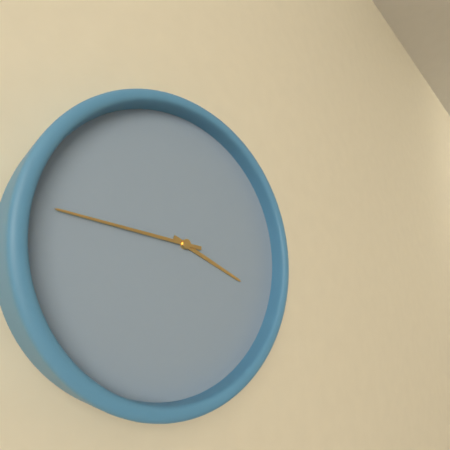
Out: {"hour": 3, "minute": 46}
